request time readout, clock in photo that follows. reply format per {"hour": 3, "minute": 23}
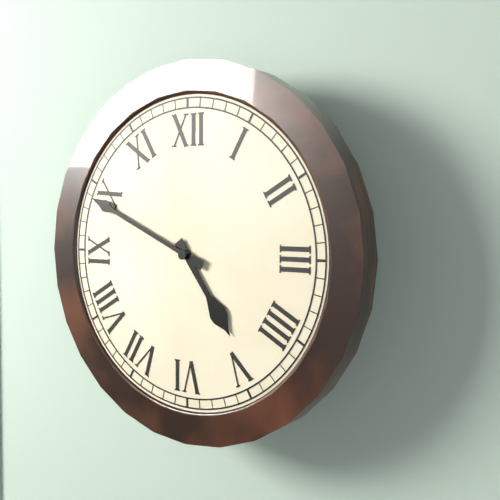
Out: {"hour": 4, "minute": 49}
